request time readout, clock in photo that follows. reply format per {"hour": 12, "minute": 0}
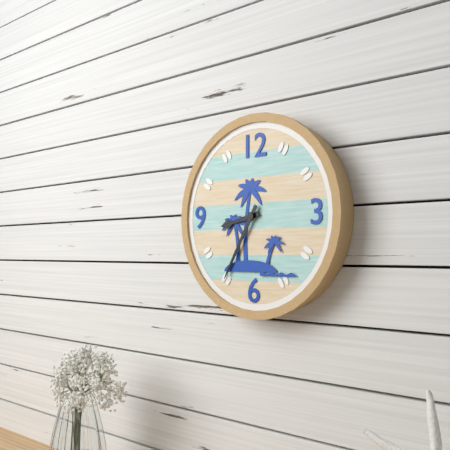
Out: {"hour": 8, "minute": 35}
